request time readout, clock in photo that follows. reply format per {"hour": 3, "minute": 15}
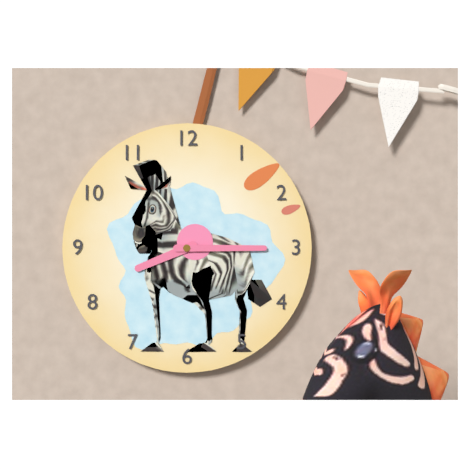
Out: {"hour": 8, "minute": 15}
